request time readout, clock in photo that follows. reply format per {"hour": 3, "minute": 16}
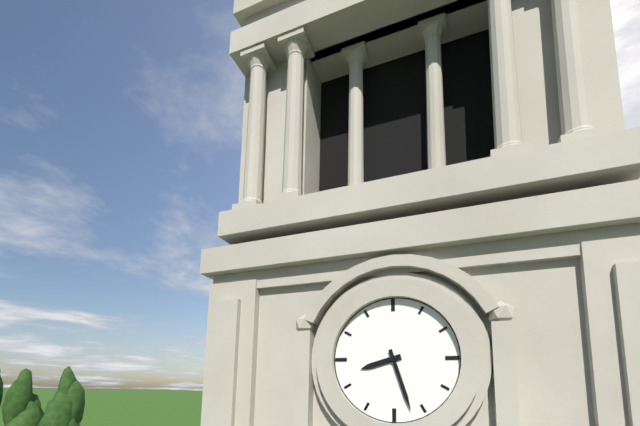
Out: {"hour": 8, "minute": 27}
